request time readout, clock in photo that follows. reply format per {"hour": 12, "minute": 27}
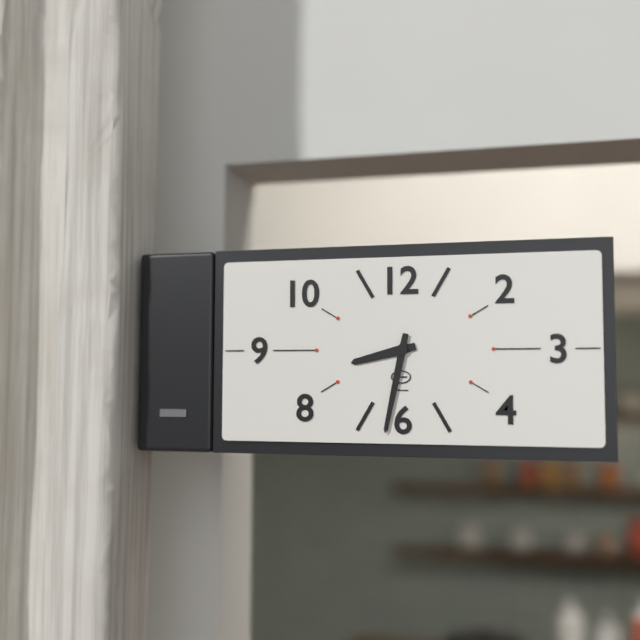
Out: {"hour": 8, "minute": 32}
